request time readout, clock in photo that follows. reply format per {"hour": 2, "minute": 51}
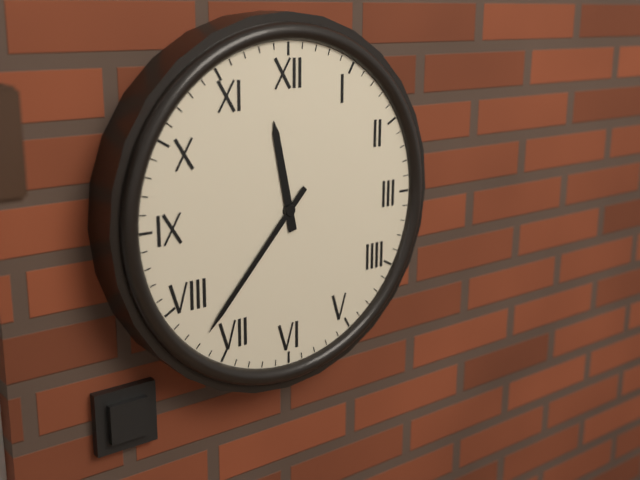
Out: {"hour": 11, "minute": 37}
